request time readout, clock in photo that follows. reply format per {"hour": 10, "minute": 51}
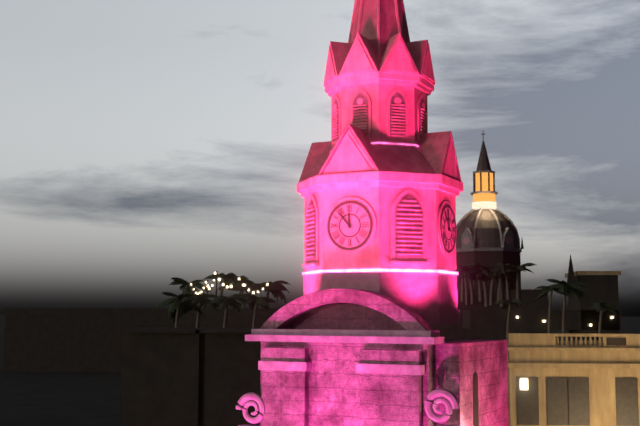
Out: {"hour": 11, "minute": 53}
